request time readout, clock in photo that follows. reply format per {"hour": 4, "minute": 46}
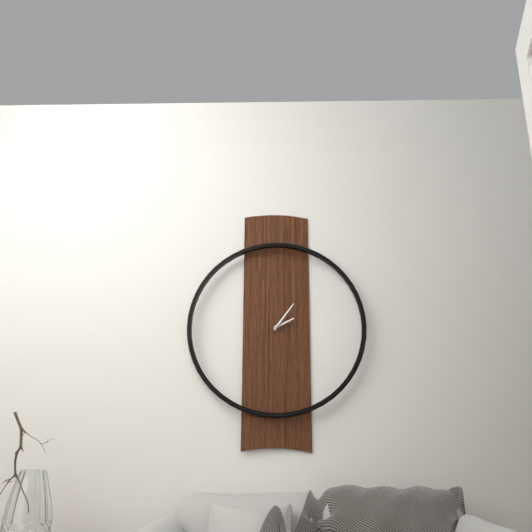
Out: {"hour": 2, "minute": 6}
